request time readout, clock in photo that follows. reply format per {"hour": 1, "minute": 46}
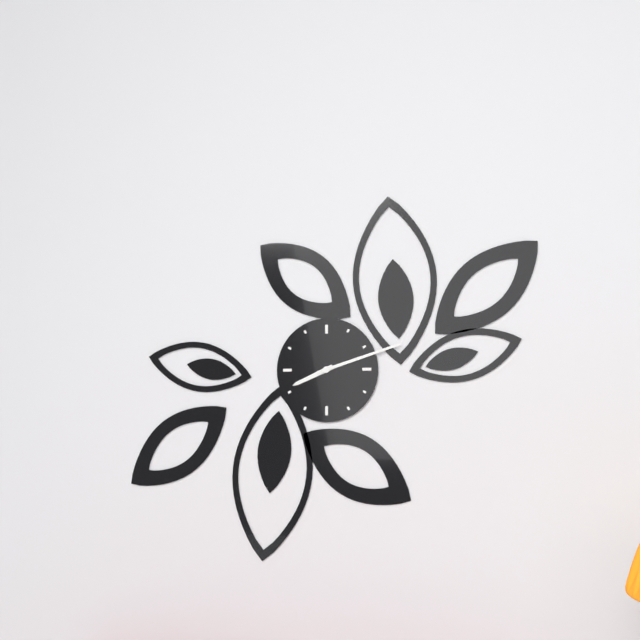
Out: {"hour": 8, "minute": 12}
